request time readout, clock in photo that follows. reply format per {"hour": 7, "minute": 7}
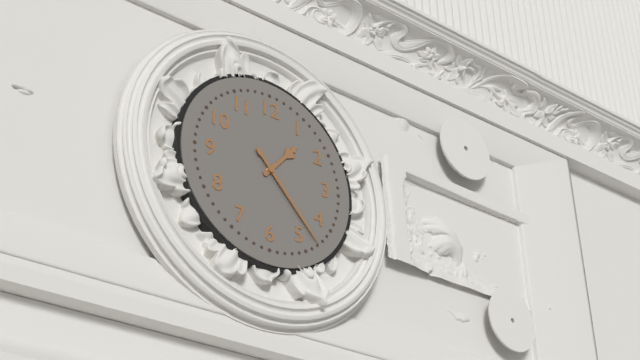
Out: {"hour": 1, "minute": 23}
